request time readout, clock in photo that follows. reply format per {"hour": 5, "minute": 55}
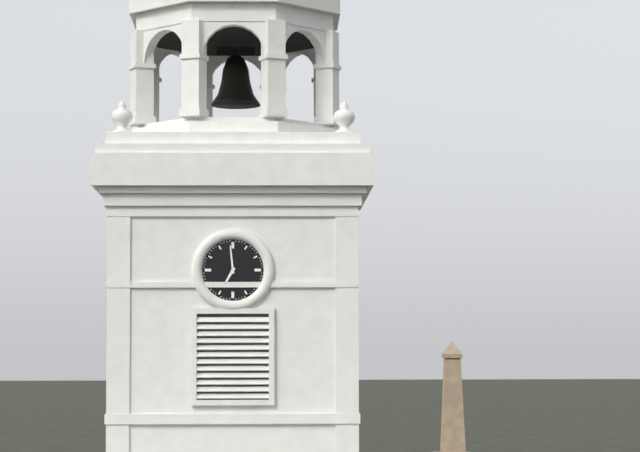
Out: {"hour": 6, "minute": 59}
